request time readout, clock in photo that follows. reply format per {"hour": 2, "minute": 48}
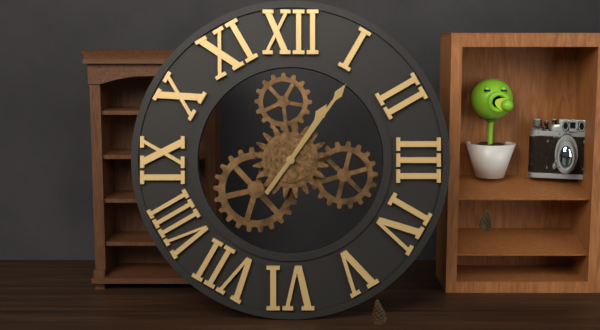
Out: {"hour": 1, "minute": 6}
